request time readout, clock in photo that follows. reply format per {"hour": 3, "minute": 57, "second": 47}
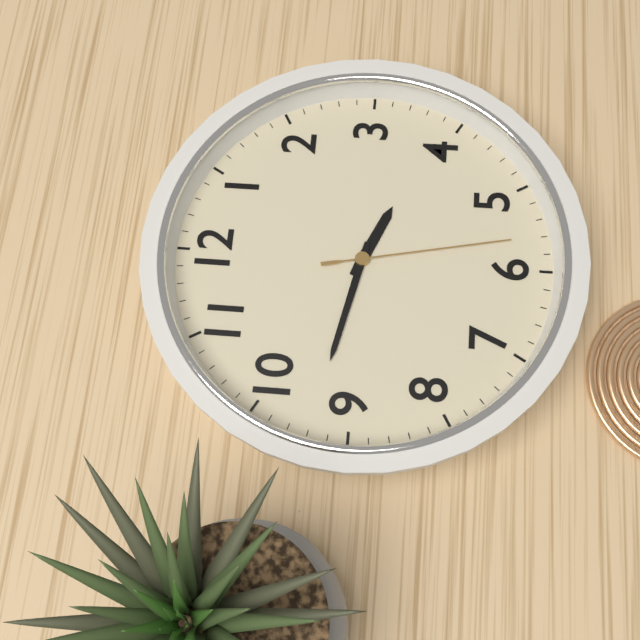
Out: {"hour": 3, "minute": 47, "second": 28}
